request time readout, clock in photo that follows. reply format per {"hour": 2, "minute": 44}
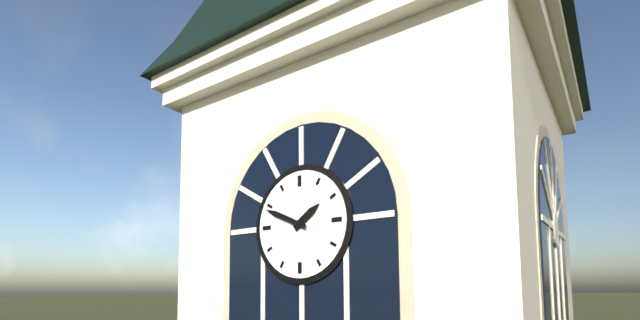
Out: {"hour": 1, "minute": 49}
